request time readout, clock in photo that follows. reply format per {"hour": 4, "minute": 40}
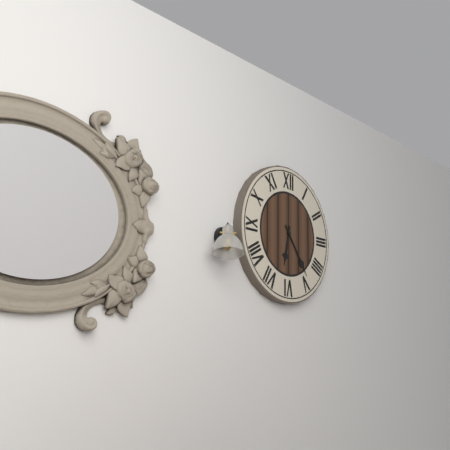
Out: {"hour": 6, "minute": 24}
